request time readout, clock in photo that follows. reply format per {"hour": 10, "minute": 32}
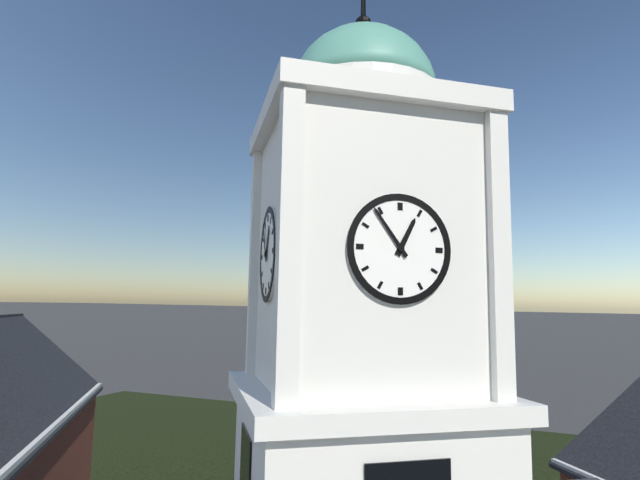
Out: {"hour": 12, "minute": 54}
